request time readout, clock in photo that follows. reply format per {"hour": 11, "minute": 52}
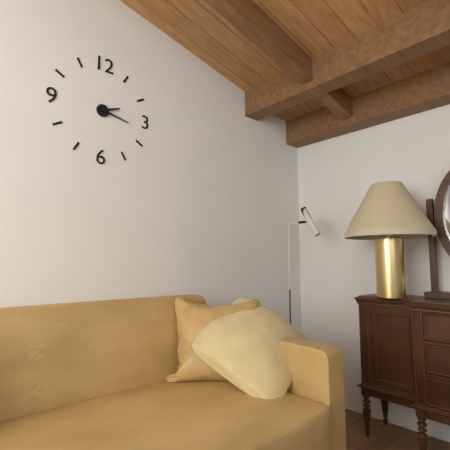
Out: {"hour": 2, "minute": 17}
